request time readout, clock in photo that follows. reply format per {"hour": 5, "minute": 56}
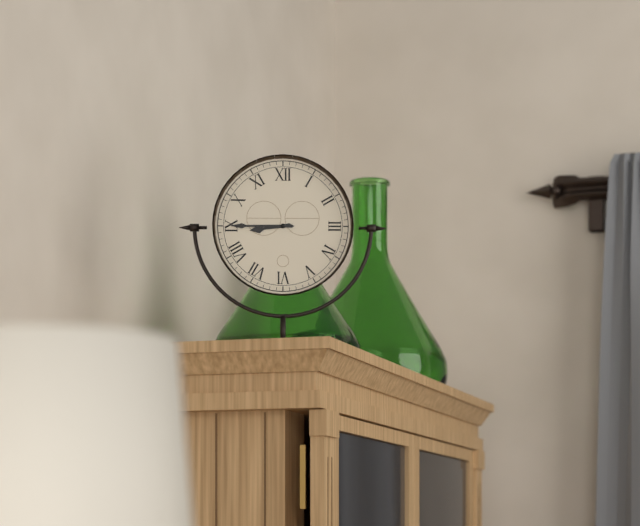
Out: {"hour": 8, "minute": 45}
